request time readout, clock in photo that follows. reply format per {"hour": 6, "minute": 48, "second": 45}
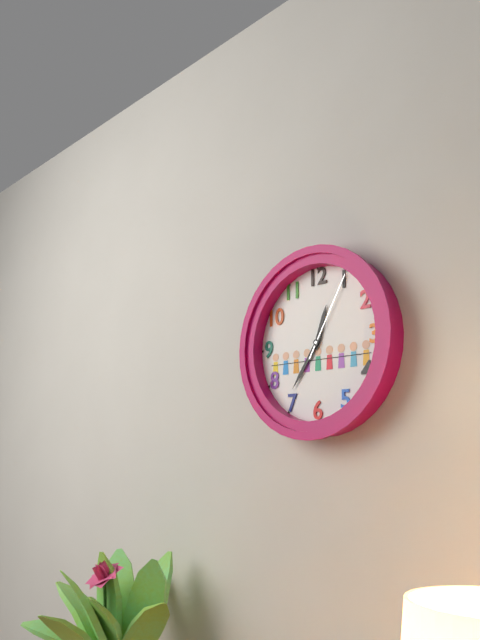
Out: {"hour": 12, "minute": 36, "second": 5}
